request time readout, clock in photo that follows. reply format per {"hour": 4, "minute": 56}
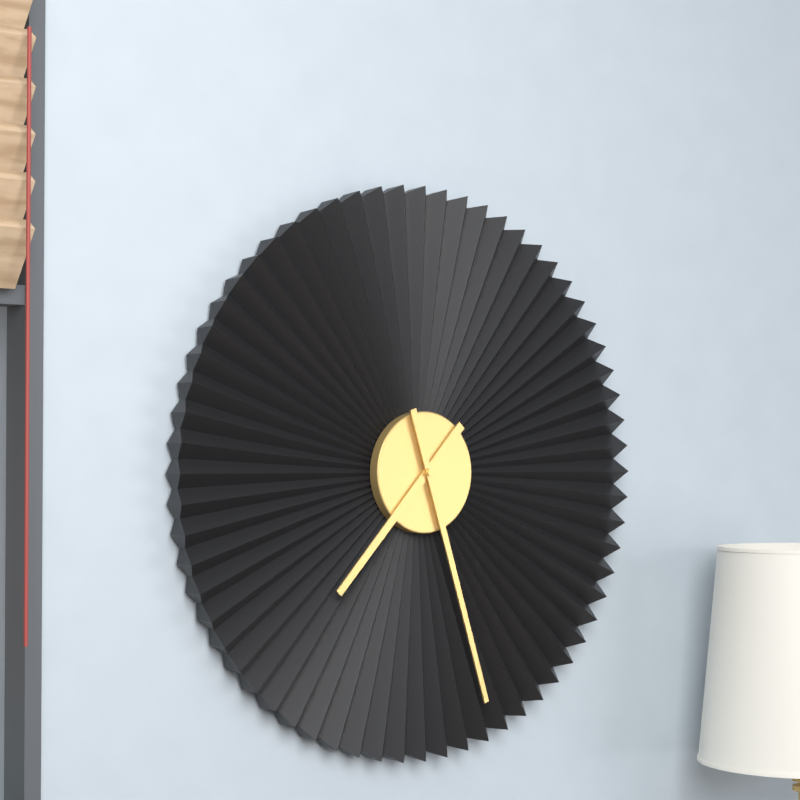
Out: {"hour": 7, "minute": 27}
